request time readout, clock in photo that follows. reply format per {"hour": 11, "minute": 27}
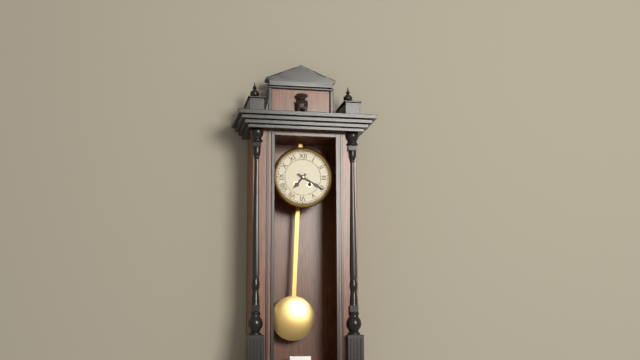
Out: {"hour": 7, "minute": 20}
